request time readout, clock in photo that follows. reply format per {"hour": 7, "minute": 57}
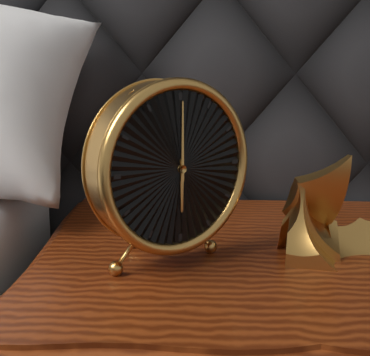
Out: {"hour": 6, "minute": 0}
